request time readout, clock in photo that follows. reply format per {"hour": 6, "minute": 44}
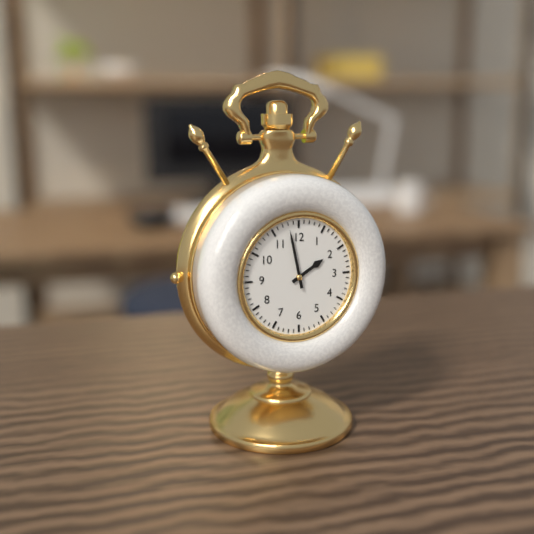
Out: {"hour": 1, "minute": 58}
